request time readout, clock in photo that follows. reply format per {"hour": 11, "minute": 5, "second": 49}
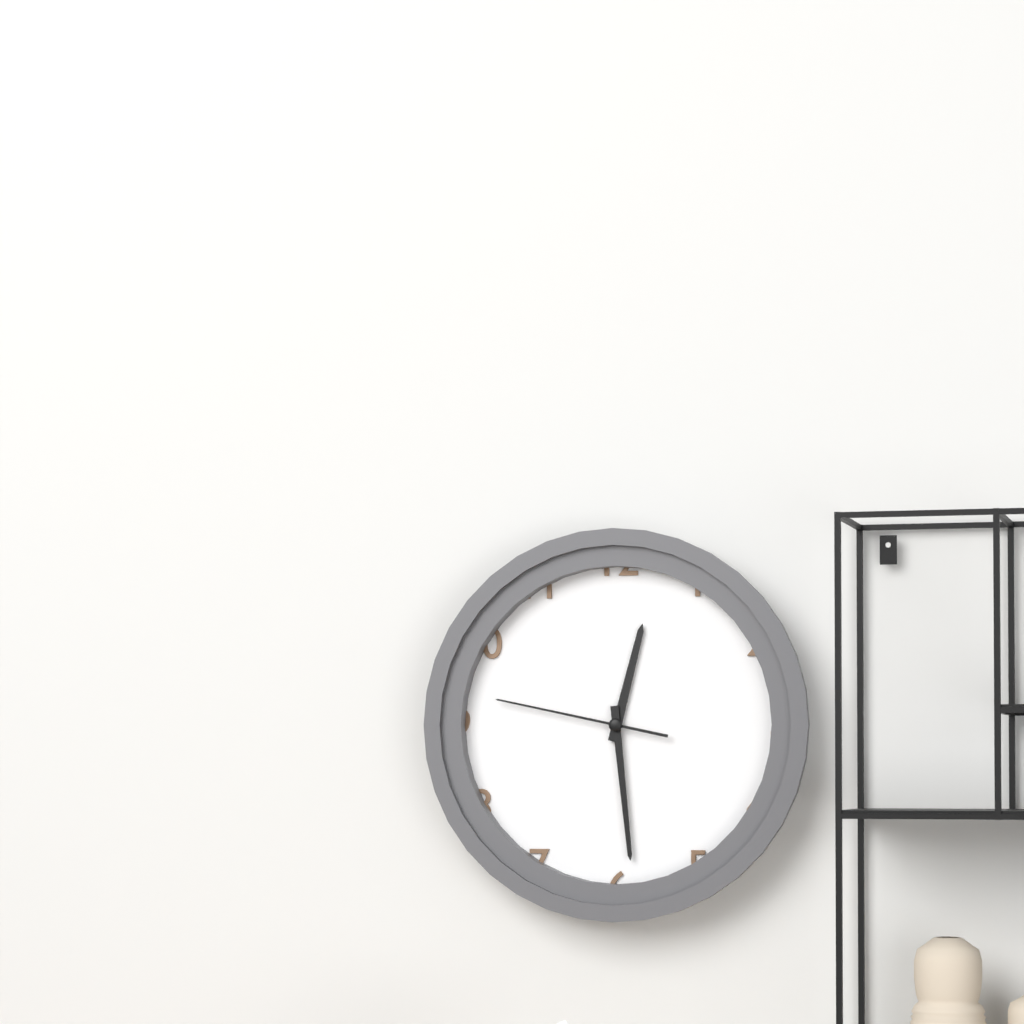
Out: {"hour": 12, "minute": 29, "second": 47}
